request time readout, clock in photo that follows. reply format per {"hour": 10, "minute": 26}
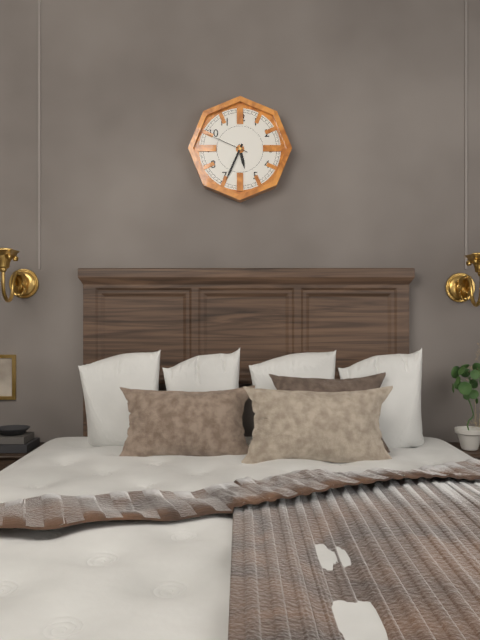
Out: {"hour": 5, "minute": 34}
